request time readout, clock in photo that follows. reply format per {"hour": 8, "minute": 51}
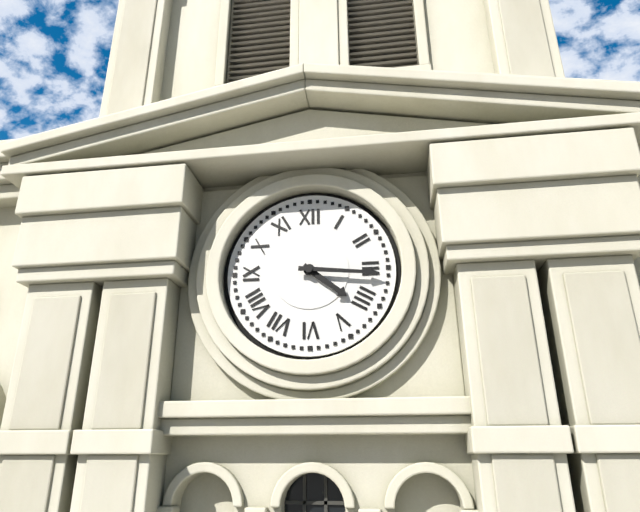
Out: {"hour": 4, "minute": 16}
